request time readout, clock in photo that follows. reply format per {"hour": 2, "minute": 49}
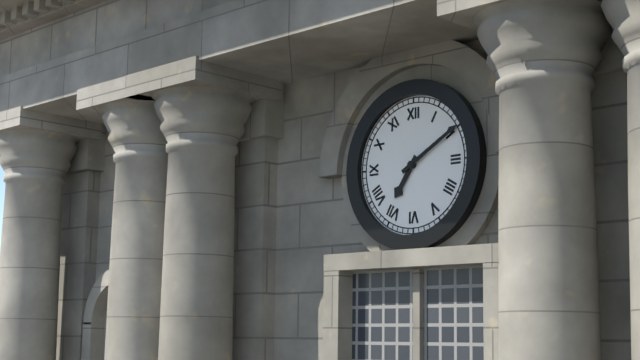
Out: {"hour": 7, "minute": 10}
